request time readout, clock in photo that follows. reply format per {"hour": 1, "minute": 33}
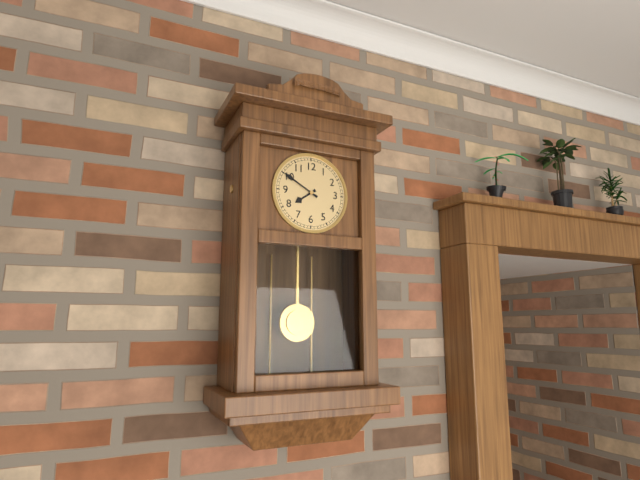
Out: {"hour": 7, "minute": 50}
